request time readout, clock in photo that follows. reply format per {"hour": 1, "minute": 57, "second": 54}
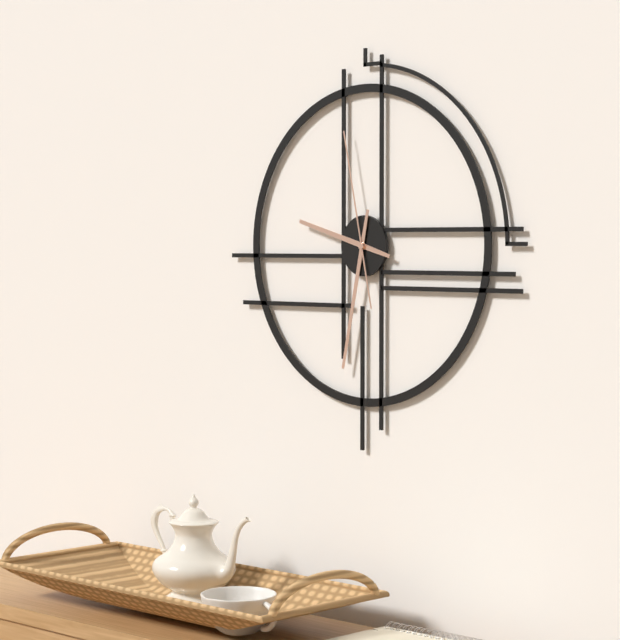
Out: {"hour": 9, "minute": 32, "second": 58}
